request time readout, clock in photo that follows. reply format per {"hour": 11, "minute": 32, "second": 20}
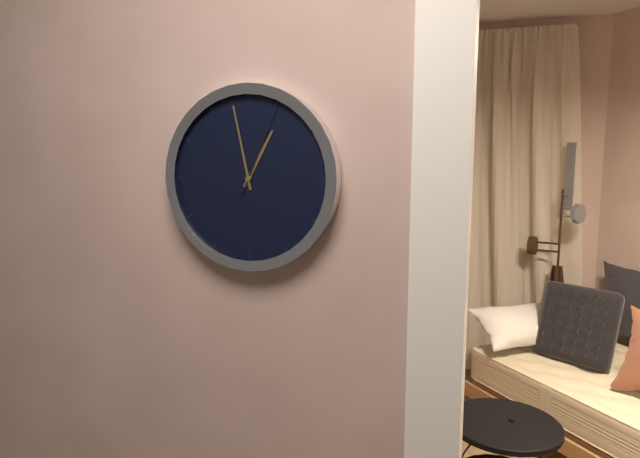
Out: {"hour": 12, "minute": 58, "second": 4}
